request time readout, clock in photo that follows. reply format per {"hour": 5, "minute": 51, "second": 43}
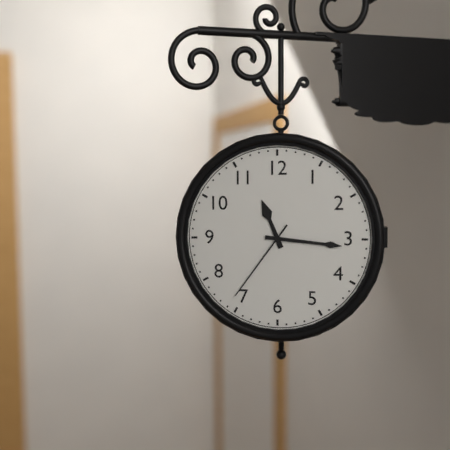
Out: {"hour": 11, "minute": 16, "second": 36}
